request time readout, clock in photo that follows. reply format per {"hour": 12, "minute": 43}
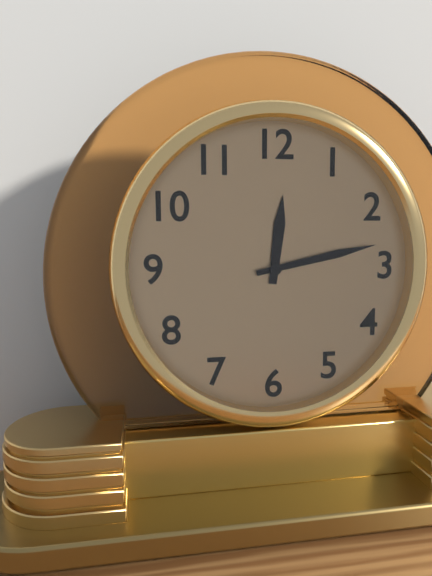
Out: {"hour": 12, "minute": 13}
